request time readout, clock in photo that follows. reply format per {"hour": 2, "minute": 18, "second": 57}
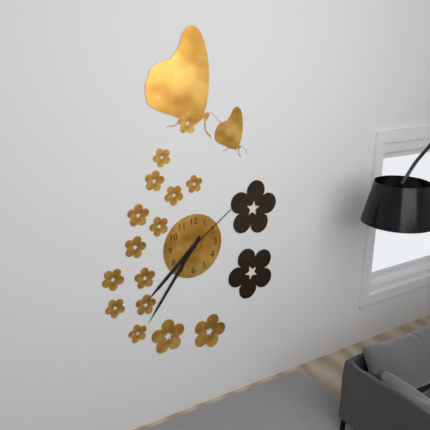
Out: {"hour": 7, "minute": 36, "second": 9}
